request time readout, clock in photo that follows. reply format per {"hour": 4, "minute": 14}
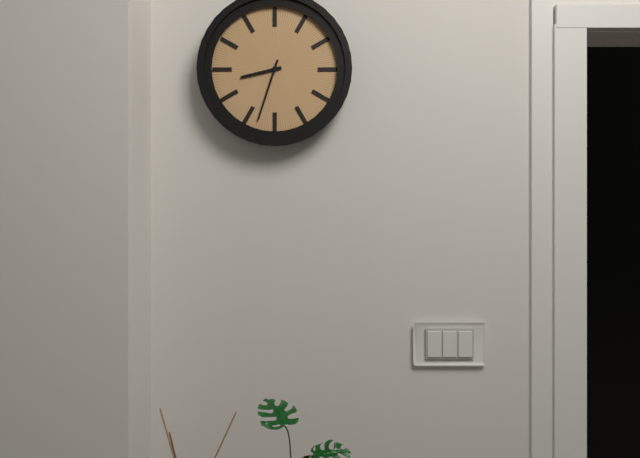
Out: {"hour": 8, "minute": 33}
